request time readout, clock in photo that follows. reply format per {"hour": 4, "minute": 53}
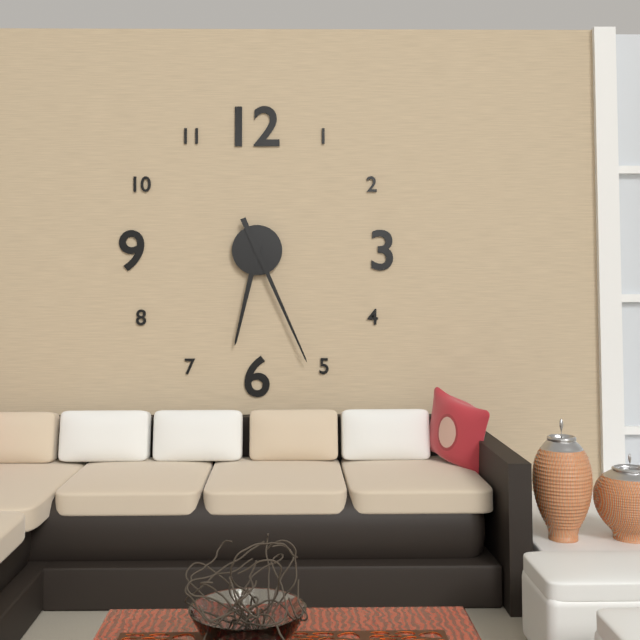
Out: {"hour": 6, "minute": 26}
